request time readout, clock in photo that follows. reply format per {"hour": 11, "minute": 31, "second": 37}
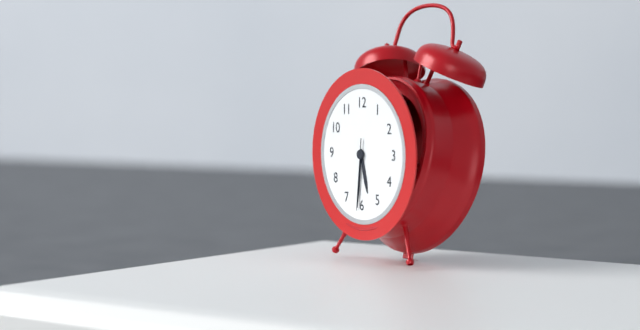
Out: {"hour": 5, "minute": 31, "second": 31}
